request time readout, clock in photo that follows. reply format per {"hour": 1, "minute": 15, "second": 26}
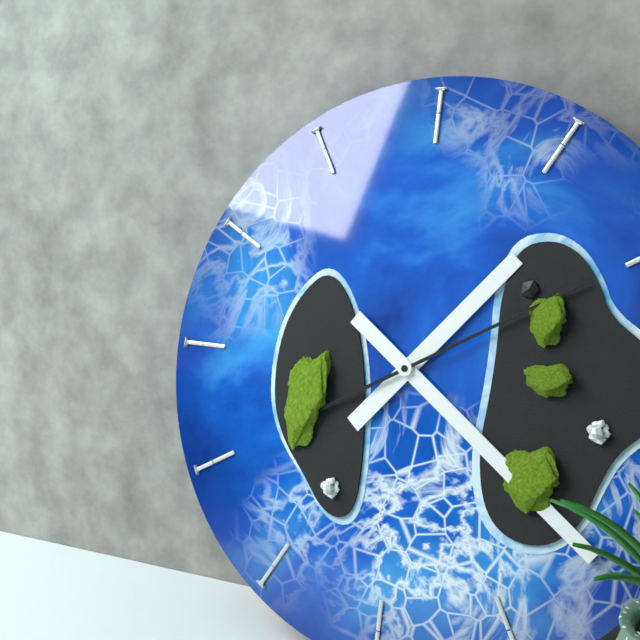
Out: {"hour": 1, "minute": 21, "second": 10}
